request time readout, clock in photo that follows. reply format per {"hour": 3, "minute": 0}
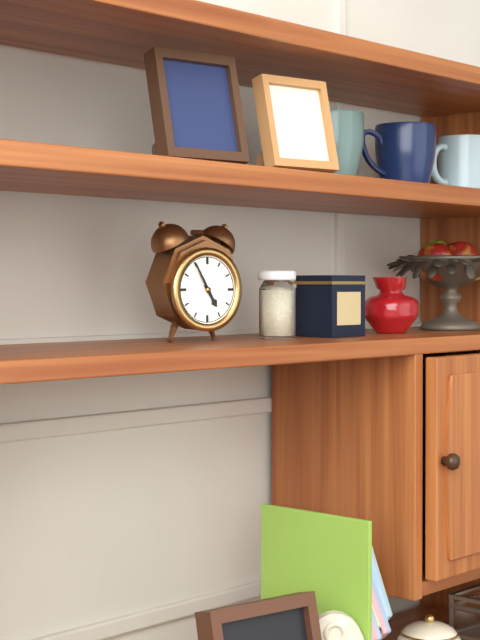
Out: {"hour": 4, "minute": 55}
